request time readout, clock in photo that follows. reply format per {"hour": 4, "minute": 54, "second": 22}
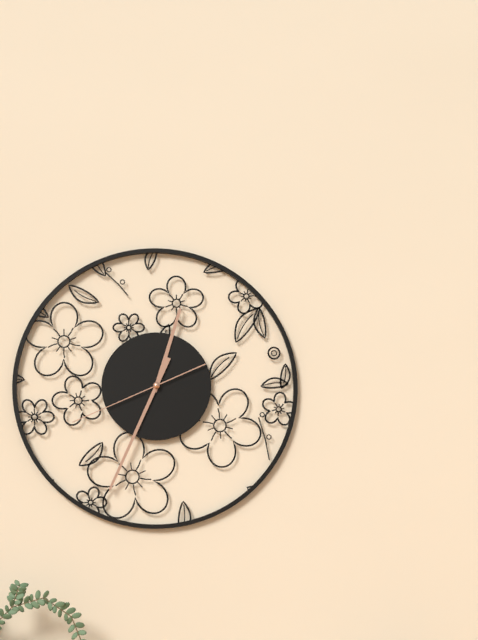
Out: {"hour": 12, "minute": 34, "second": 41}
